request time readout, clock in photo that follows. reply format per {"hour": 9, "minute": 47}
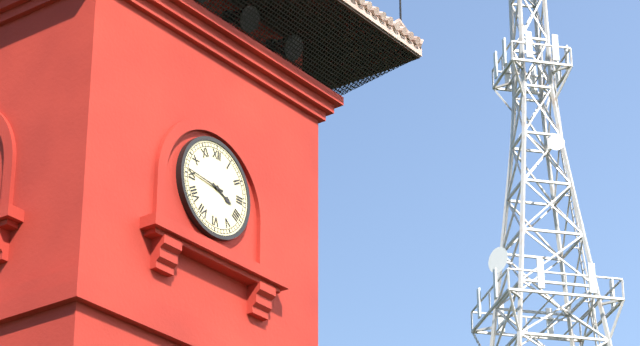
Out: {"hour": 3, "minute": 46}
